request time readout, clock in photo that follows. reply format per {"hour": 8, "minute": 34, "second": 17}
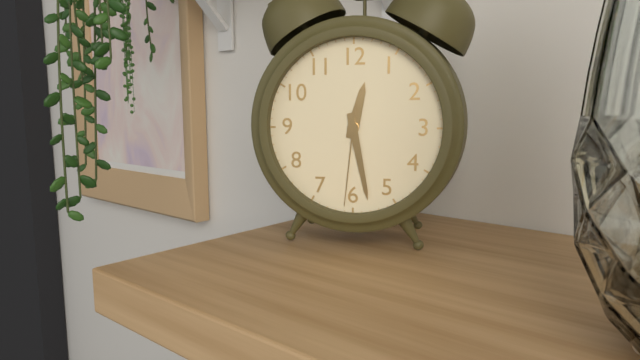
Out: {"hour": 12, "minute": 28, "second": 31}
